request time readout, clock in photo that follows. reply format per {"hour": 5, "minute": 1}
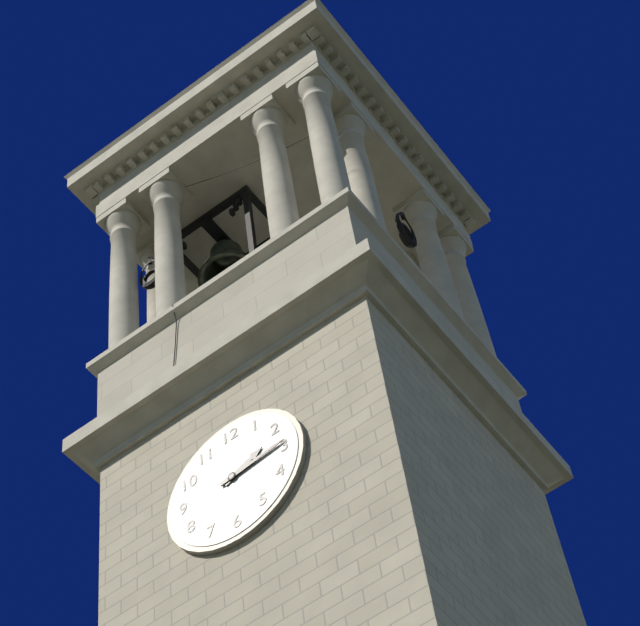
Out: {"hour": 2, "minute": 14}
